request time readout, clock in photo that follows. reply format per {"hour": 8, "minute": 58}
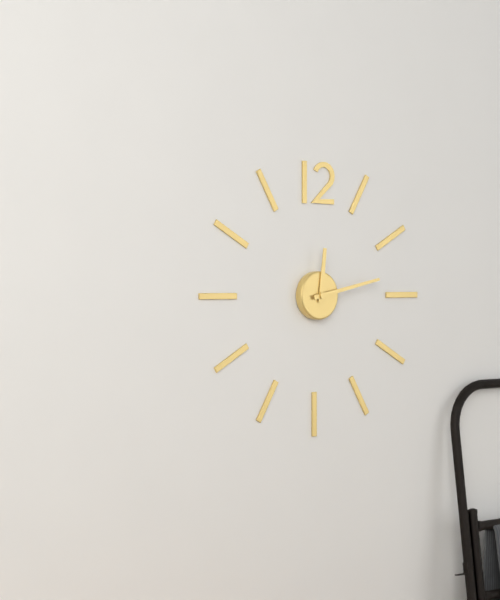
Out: {"hour": 12, "minute": 13}
